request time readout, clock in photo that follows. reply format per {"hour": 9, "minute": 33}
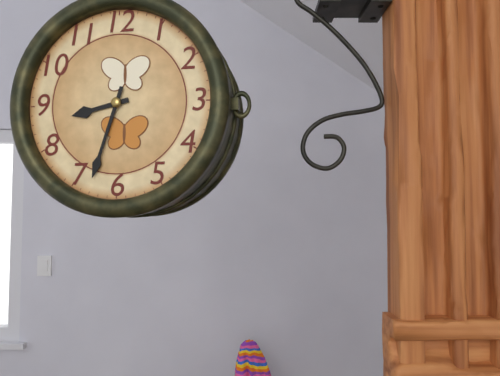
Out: {"hour": 8, "minute": 33}
